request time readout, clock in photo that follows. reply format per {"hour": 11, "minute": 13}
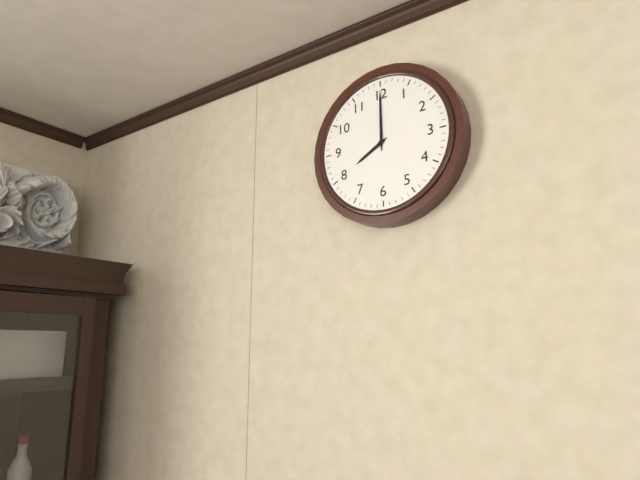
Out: {"hour": 8, "minute": 0}
